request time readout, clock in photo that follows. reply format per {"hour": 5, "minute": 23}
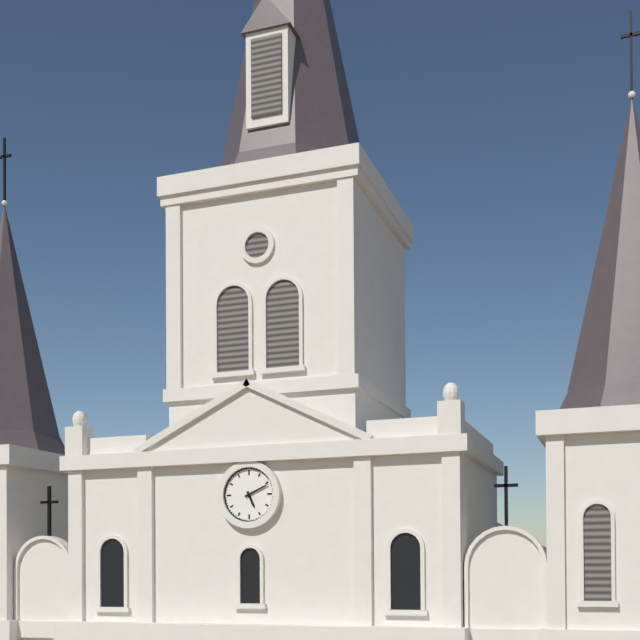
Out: {"hour": 5, "minute": 11}
